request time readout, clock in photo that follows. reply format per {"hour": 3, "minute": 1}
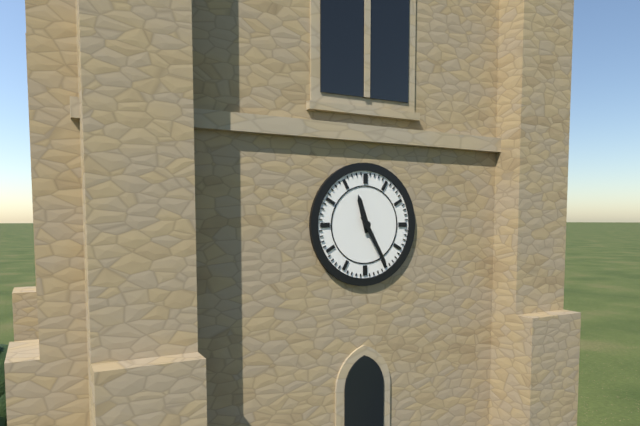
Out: {"hour": 11, "minute": 25}
